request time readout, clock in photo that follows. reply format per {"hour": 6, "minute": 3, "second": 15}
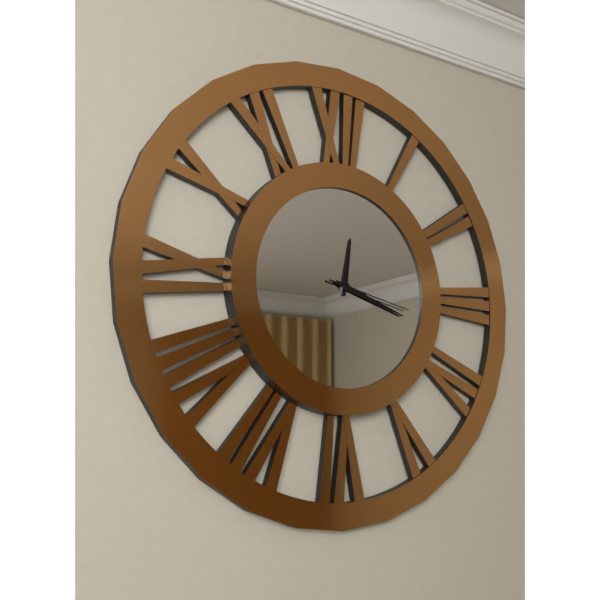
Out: {"hour": 12, "minute": 18, "second": 17}
